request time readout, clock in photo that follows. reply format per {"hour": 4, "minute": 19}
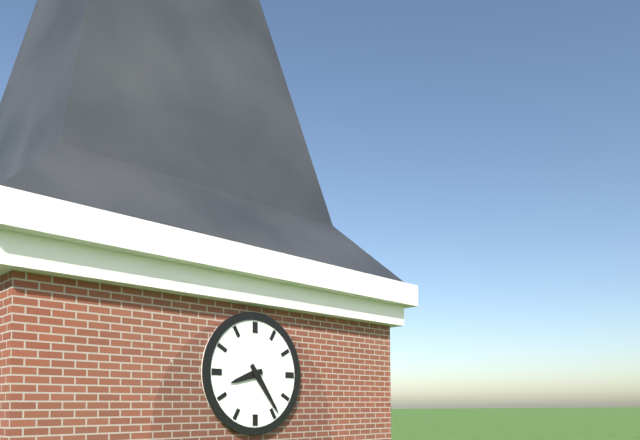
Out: {"hour": 8, "minute": 24}
